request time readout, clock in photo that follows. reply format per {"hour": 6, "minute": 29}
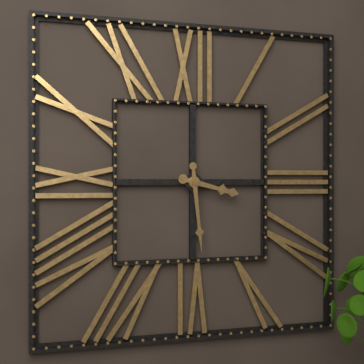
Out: {"hour": 3, "minute": 29}
